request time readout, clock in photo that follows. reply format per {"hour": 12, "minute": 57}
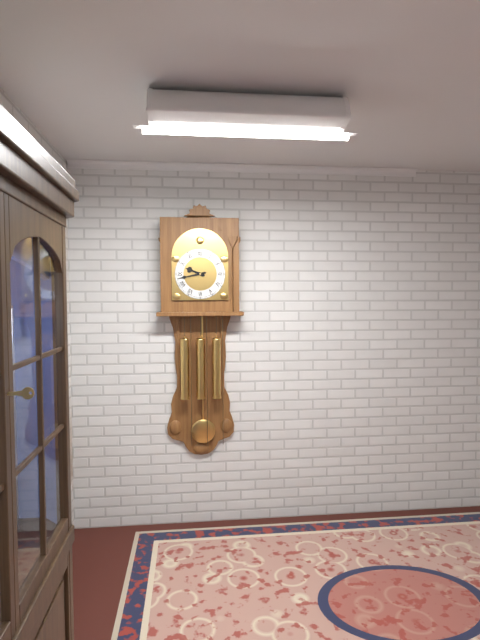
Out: {"hour": 9, "minute": 43}
